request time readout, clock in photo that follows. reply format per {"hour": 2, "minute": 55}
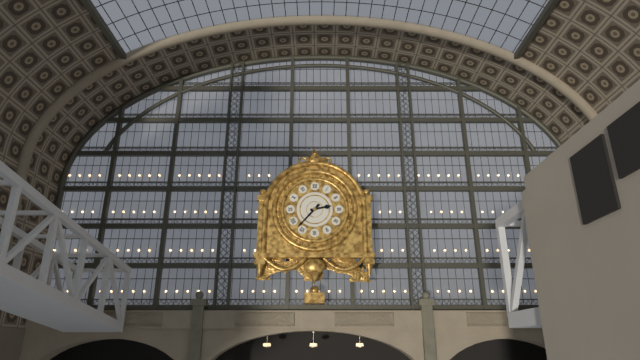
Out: {"hour": 2, "minute": 37}
